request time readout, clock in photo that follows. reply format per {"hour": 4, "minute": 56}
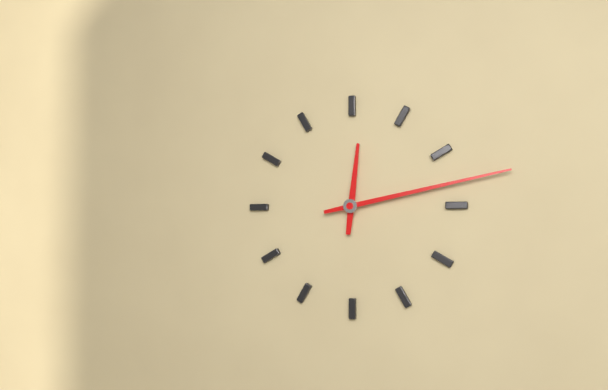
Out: {"hour": 12, "minute": 13}
